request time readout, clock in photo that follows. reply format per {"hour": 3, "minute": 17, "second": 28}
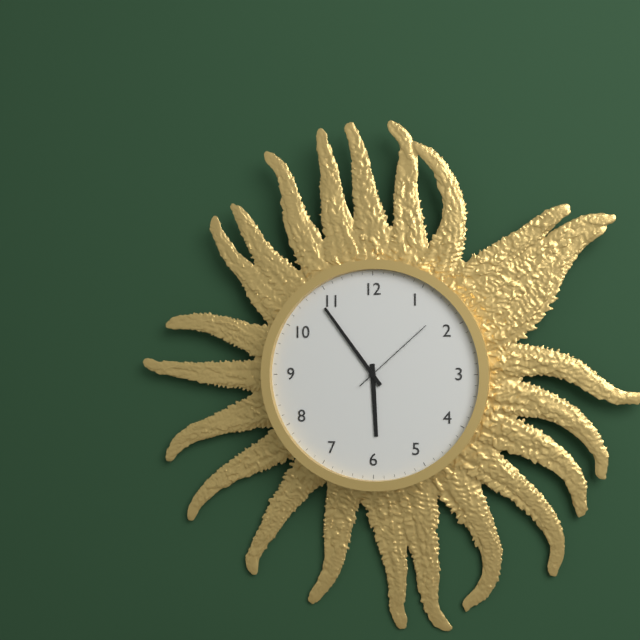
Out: {"hour": 5, "minute": 54, "second": 8}
